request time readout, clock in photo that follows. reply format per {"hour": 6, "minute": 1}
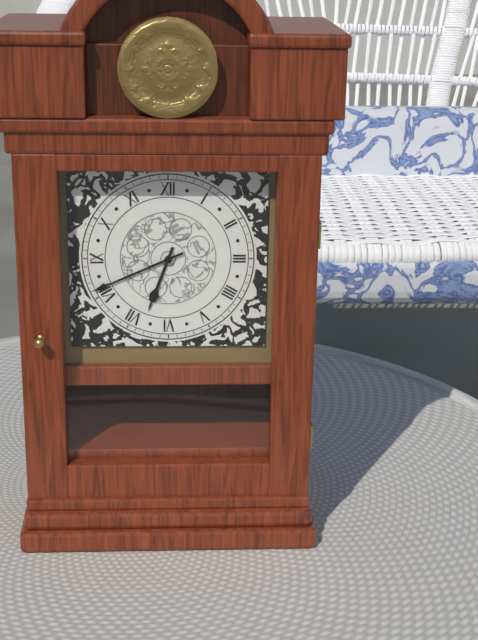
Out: {"hour": 6, "minute": 41}
